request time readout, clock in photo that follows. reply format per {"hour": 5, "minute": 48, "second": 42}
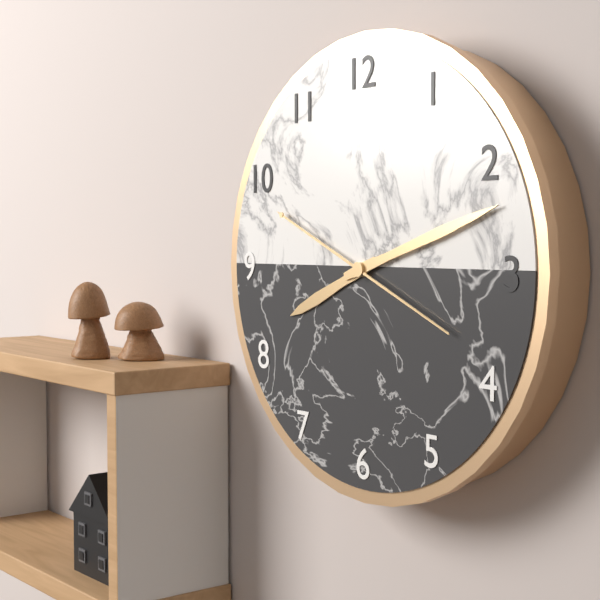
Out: {"hour": 8, "minute": 12, "second": 49}
